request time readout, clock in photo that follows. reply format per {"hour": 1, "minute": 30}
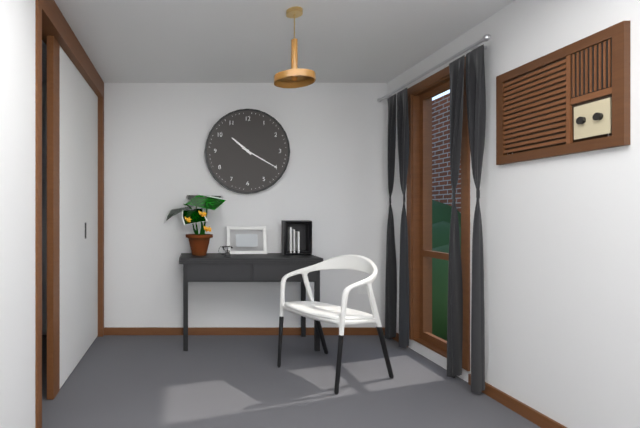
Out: {"hour": 10, "minute": 20}
